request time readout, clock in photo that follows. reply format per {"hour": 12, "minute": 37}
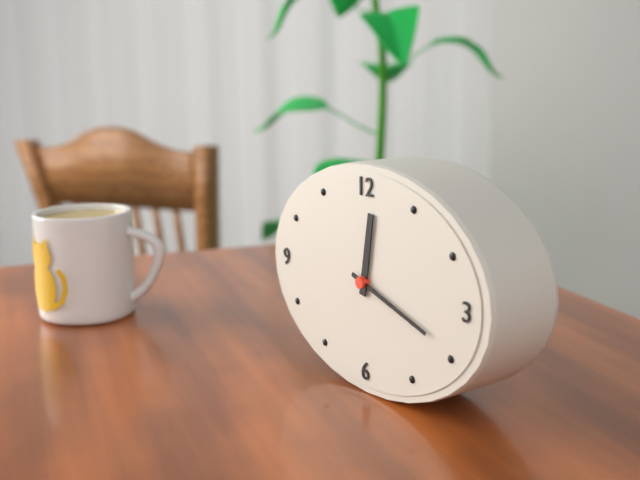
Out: {"hour": 12, "minute": 18}
